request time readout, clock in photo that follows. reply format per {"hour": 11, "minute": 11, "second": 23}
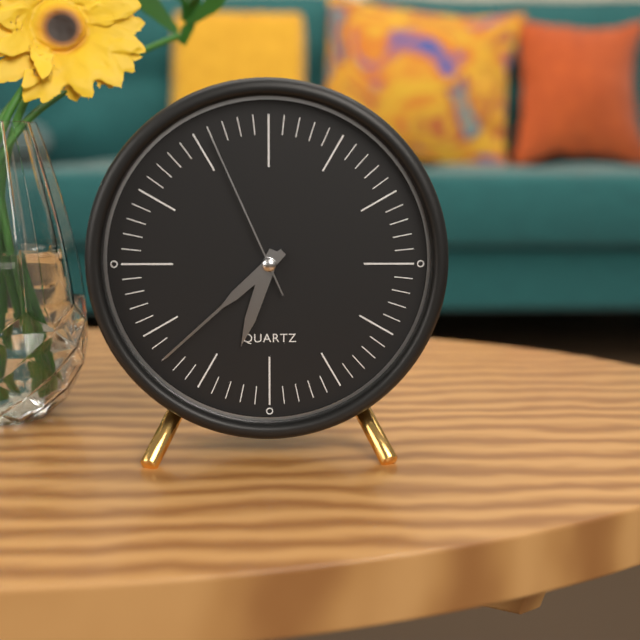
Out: {"hour": 6, "minute": 38, "second": 56}
